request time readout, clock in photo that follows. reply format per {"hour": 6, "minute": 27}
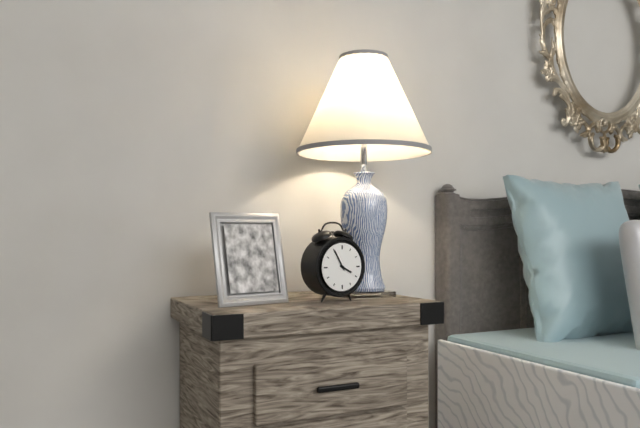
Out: {"hour": 3, "minute": 55}
